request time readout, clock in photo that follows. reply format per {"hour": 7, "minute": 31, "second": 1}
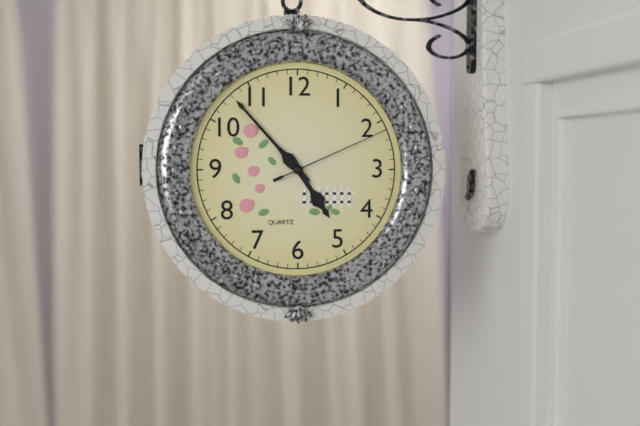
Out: {"hour": 4, "minute": 53, "second": 11}
